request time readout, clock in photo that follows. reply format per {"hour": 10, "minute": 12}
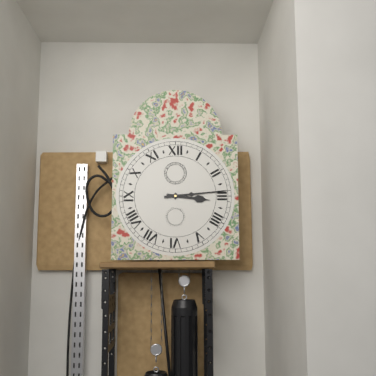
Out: {"hour": 3, "minute": 14}
